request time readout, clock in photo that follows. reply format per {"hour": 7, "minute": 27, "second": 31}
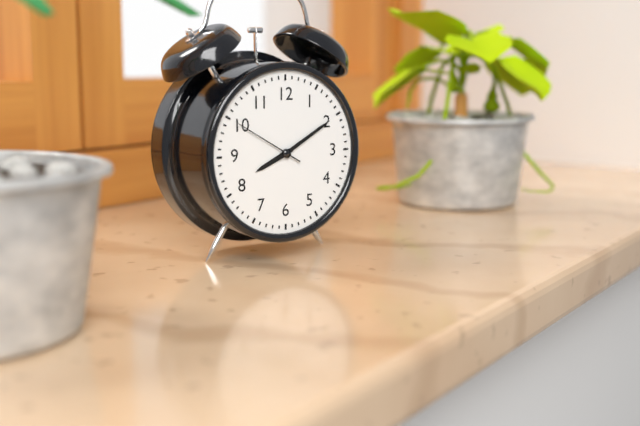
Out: {"hour": 8, "minute": 10, "second": 50}
